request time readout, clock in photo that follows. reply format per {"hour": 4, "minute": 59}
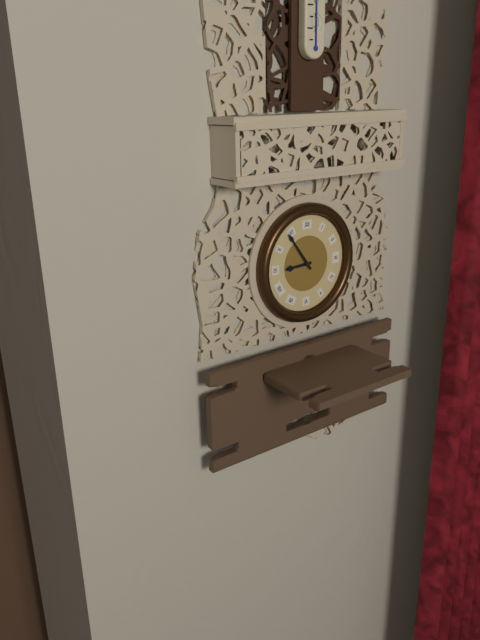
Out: {"hour": 8, "minute": 54}
